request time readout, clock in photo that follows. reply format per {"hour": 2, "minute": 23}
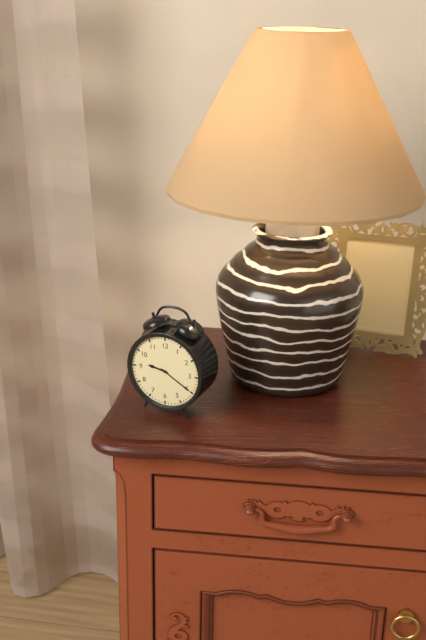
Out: {"hour": 9, "minute": 20}
